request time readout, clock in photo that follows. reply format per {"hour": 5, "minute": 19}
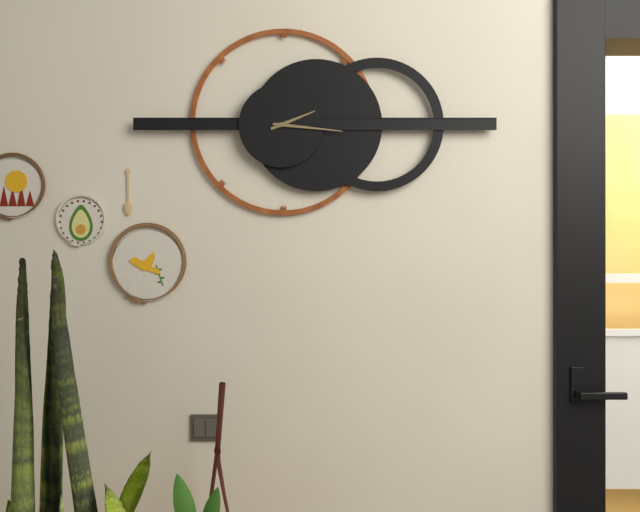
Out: {"hour": 2, "minute": 16}
